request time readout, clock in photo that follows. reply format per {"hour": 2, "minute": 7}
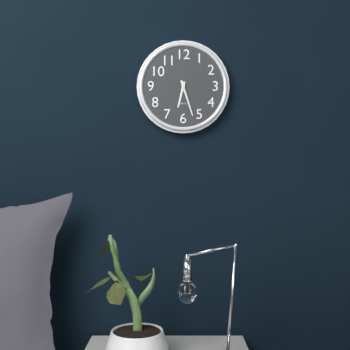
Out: {"hour": 6, "minute": 27}
